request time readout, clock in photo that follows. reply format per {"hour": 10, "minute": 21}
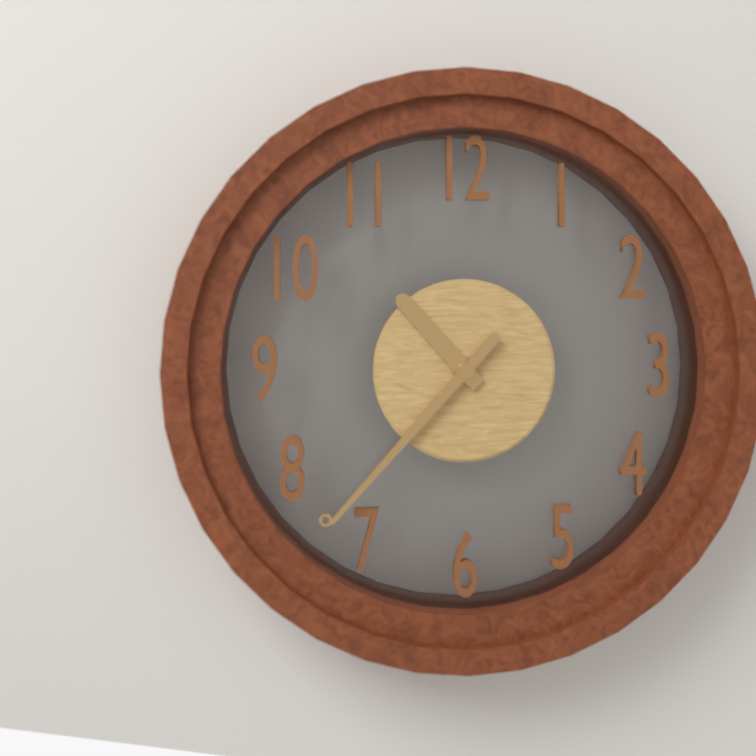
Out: {"hour": 10, "minute": 37}
